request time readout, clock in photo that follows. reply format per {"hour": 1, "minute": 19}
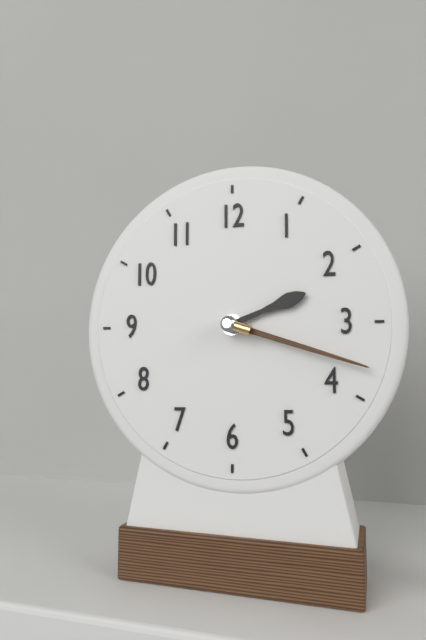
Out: {"hour": 2, "minute": 18}
